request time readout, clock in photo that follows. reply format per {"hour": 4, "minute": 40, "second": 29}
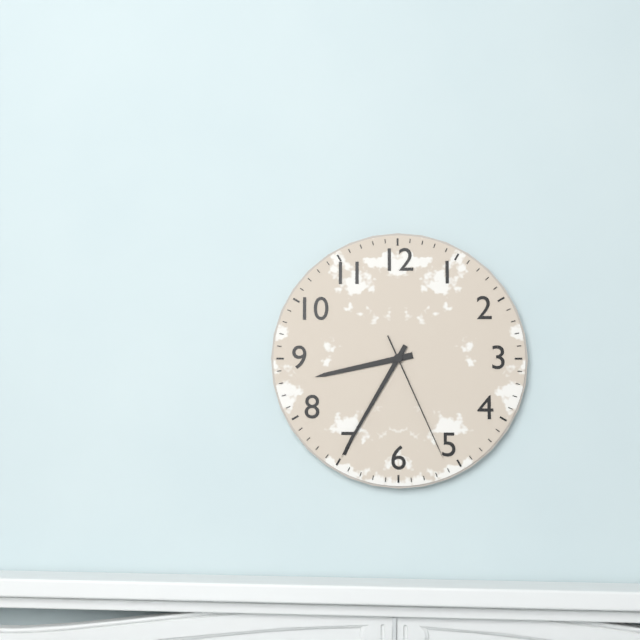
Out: {"hour": 8, "minute": 35, "second": 26}
